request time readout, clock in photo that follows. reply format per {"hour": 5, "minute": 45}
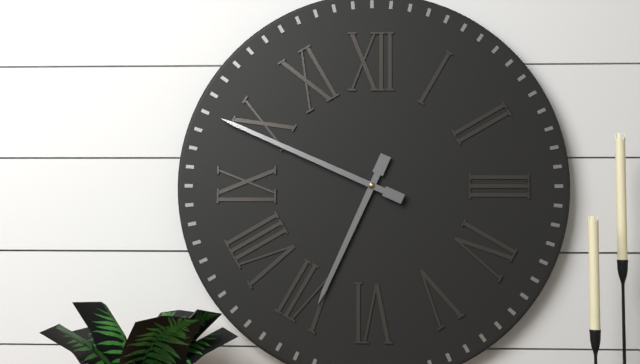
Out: {"hour": 6, "minute": 49}
